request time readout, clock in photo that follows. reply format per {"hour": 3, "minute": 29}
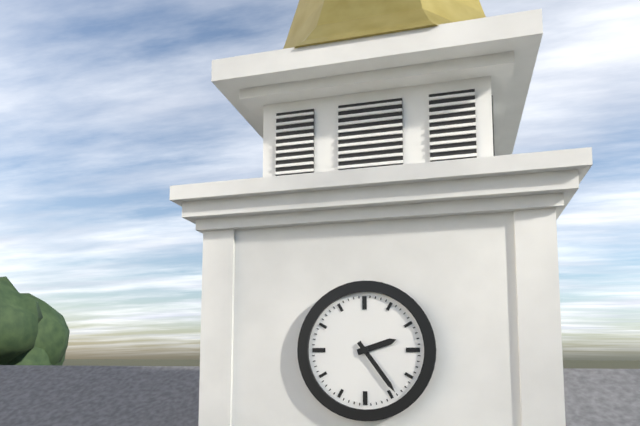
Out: {"hour": 2, "minute": 24}
